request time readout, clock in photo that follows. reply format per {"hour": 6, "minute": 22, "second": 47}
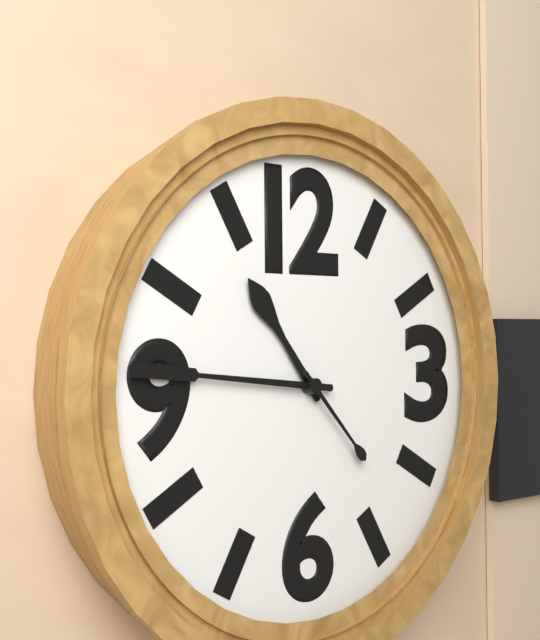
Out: {"hour": 10, "minute": 46, "second": 23}
